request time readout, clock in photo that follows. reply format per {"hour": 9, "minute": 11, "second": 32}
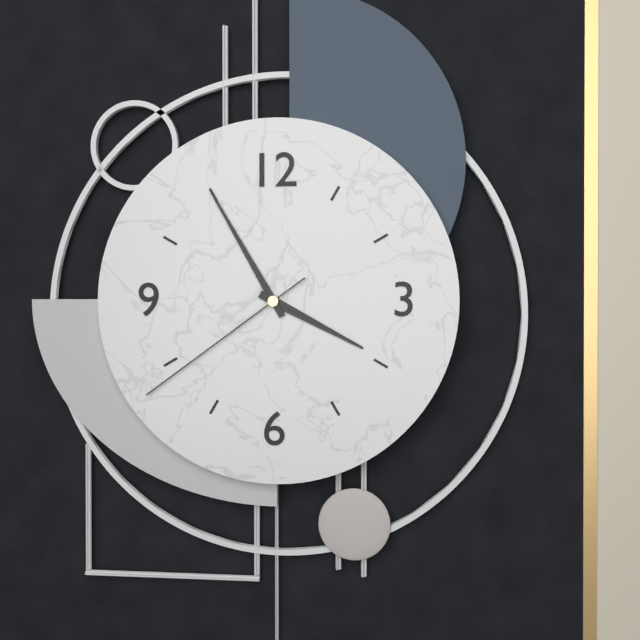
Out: {"hour": 3, "minute": 55, "second": 39}
